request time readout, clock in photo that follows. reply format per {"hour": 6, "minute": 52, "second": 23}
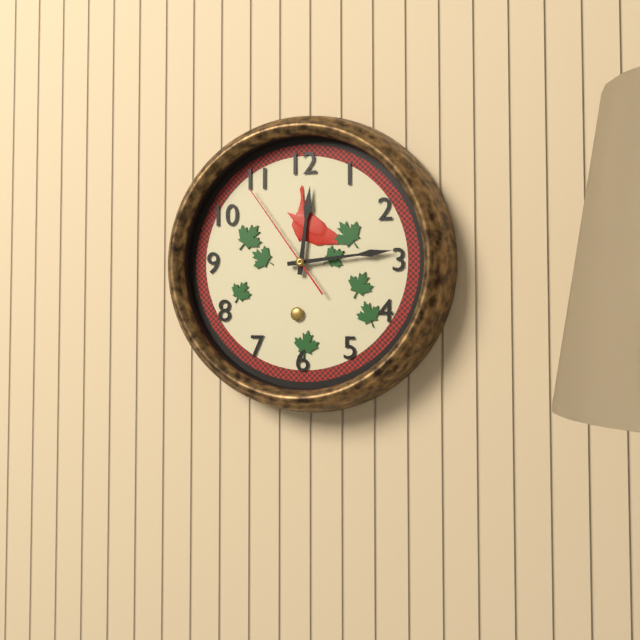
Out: {"hour": 12, "minute": 14, "second": 54}
